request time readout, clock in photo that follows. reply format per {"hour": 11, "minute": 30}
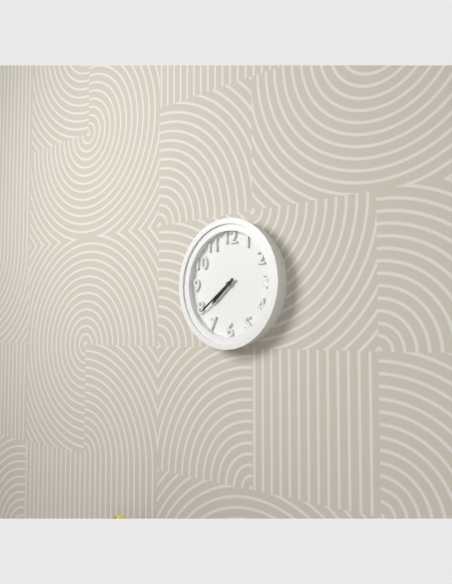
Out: {"hour": 7, "minute": 39}
